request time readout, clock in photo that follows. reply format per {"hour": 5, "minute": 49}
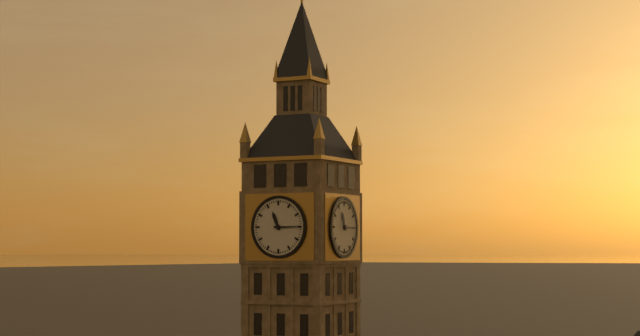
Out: {"hour": 11, "minute": 15}
